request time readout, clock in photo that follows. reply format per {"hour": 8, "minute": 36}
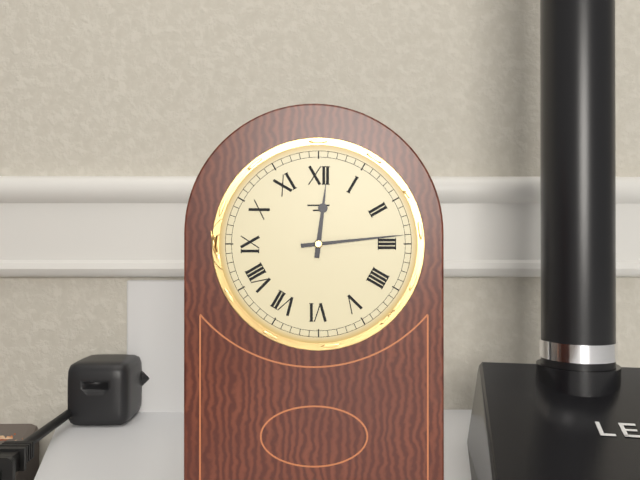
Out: {"hour": 12, "minute": 14}
